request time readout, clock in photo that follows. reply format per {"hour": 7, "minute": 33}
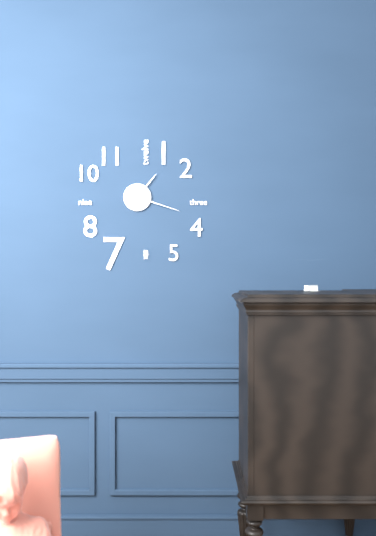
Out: {"hour": 1, "minute": 18}
